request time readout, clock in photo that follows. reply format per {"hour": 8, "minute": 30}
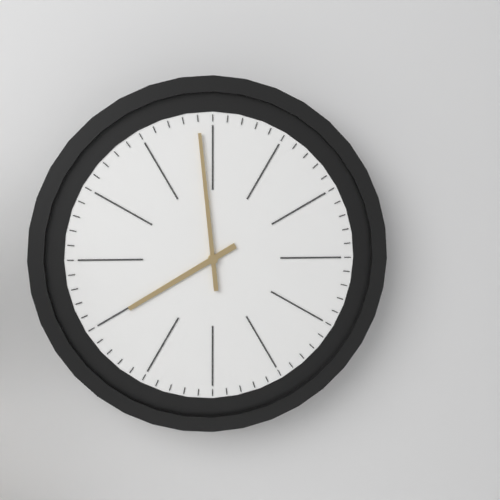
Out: {"hour": 7, "minute": 59}
